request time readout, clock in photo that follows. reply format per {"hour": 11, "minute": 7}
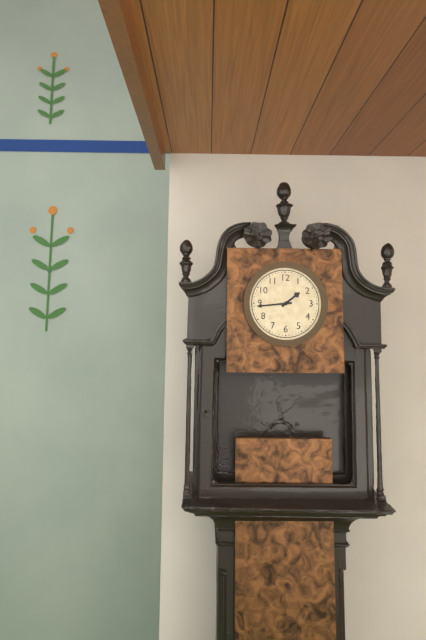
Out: {"hour": 1, "minute": 44}
